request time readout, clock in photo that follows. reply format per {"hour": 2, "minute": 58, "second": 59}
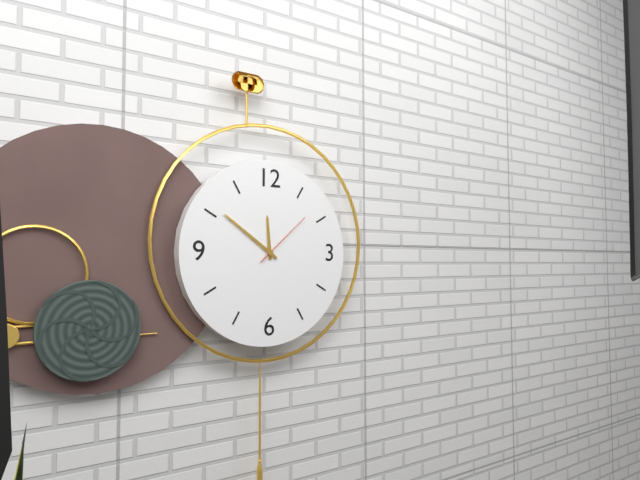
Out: {"hour": 11, "minute": 51, "second": 8}
